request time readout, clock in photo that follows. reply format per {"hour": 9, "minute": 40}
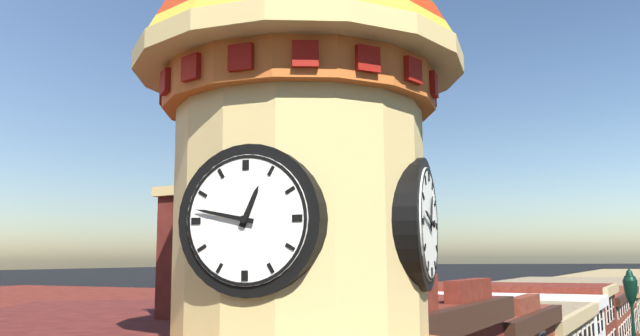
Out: {"hour": 12, "minute": 47}
